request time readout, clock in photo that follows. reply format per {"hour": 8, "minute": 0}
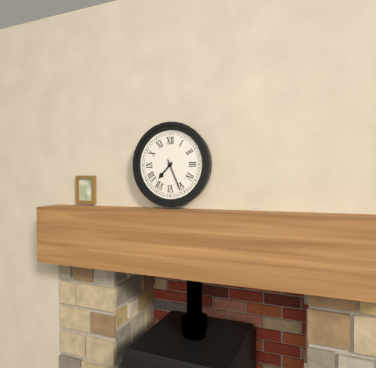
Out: {"hour": 7, "minute": 26}
